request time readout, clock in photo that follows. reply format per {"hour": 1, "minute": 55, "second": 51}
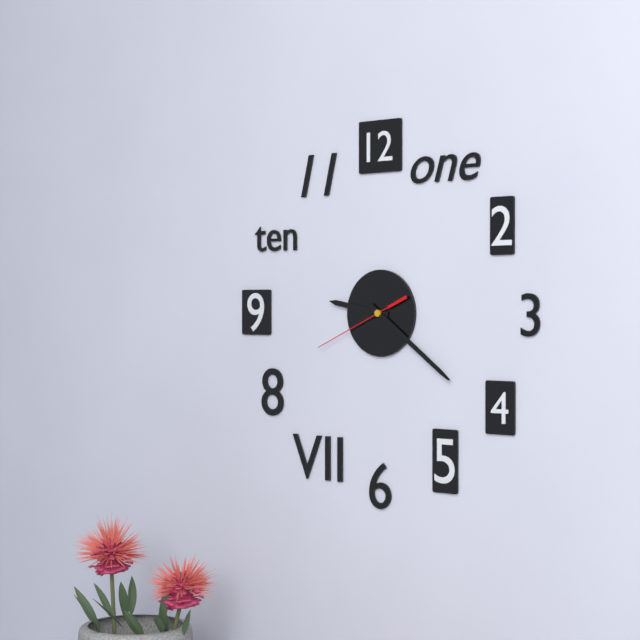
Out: {"hour": 9, "minute": 21, "second": 41}
